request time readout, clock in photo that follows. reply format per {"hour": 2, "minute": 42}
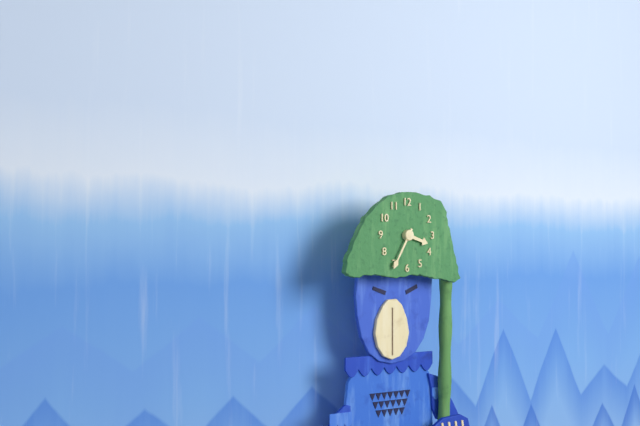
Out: {"hour": 3, "minute": 35}
